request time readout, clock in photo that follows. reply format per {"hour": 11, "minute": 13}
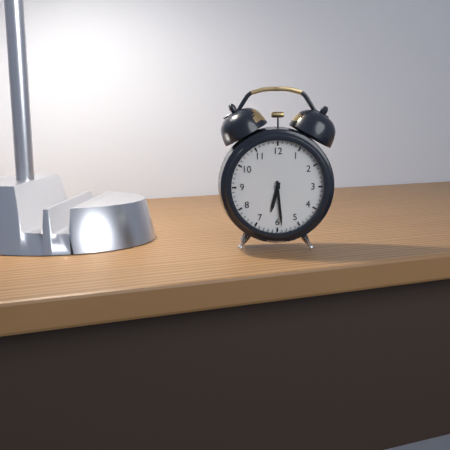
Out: {"hour": 6, "minute": 29}
